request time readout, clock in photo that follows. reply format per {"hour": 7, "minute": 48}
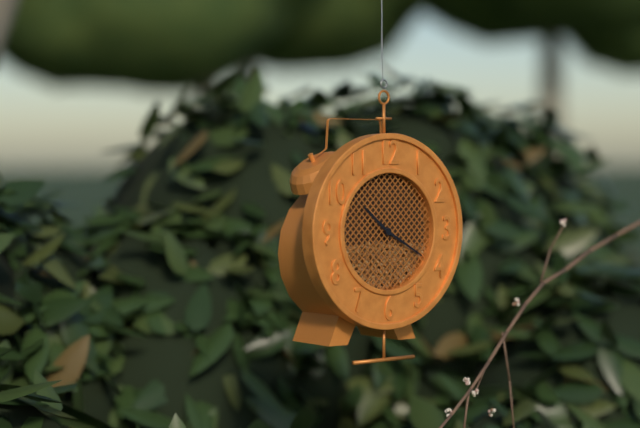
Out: {"hour": 10, "minute": 20}
